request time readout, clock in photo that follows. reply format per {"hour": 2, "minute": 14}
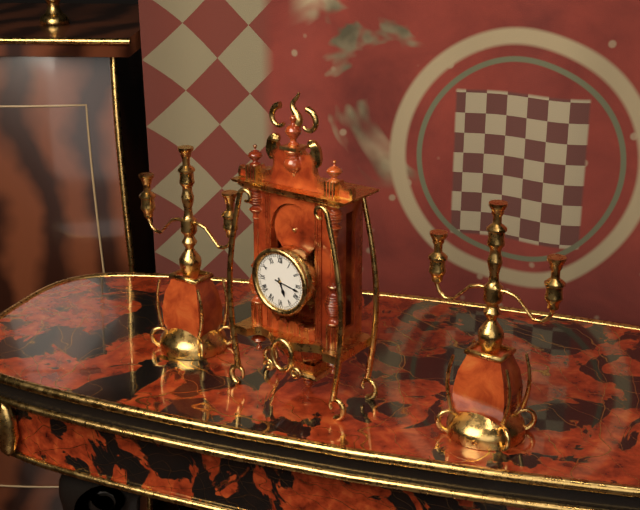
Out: {"hour": 5, "minute": 17}
